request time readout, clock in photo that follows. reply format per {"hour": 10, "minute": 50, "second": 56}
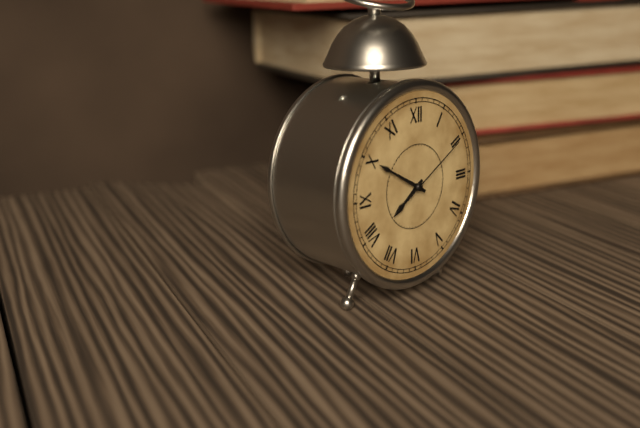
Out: {"hour": 7, "minute": 50, "second": 10}
